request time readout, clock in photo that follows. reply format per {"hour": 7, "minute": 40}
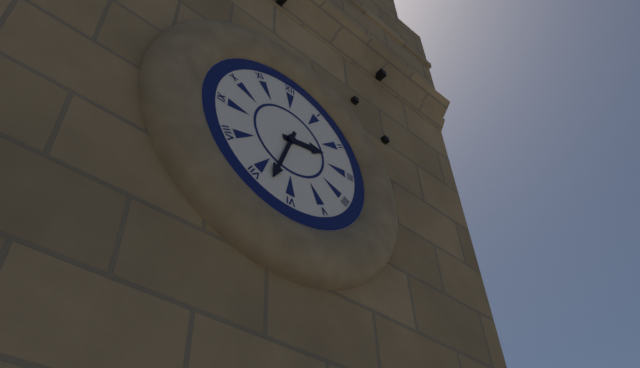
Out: {"hour": 2, "minute": 33}
